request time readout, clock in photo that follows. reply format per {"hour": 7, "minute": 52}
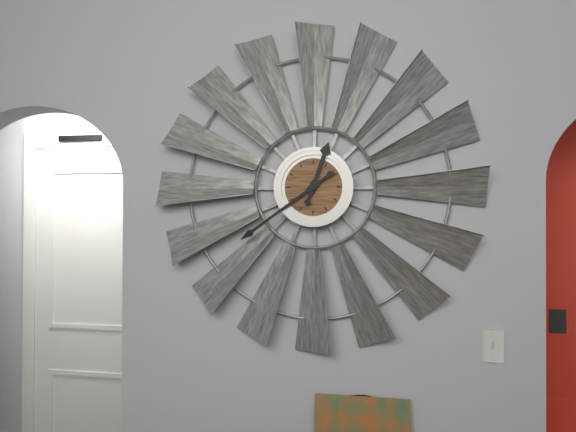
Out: {"hour": 12, "minute": 39}
